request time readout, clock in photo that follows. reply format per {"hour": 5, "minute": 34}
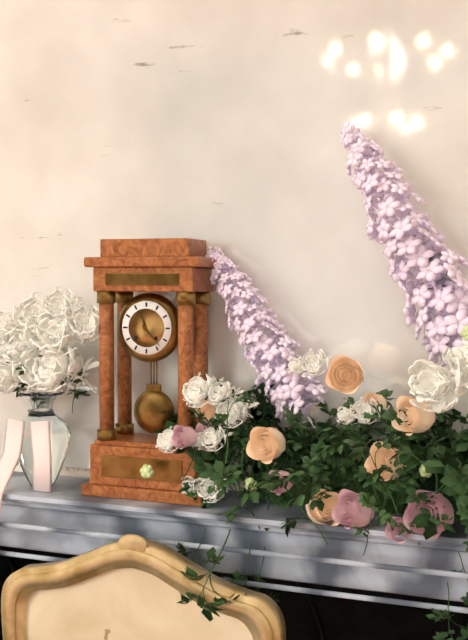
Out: {"hour": 11, "minute": 23}
